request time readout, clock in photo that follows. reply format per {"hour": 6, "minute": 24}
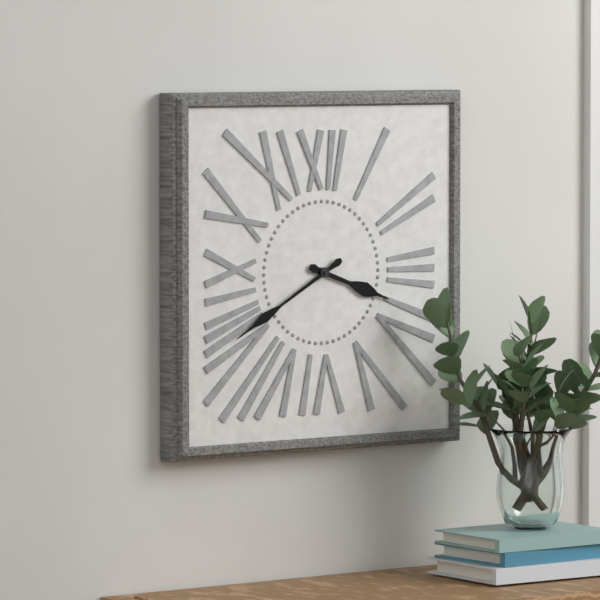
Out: {"hour": 3, "minute": 40}
